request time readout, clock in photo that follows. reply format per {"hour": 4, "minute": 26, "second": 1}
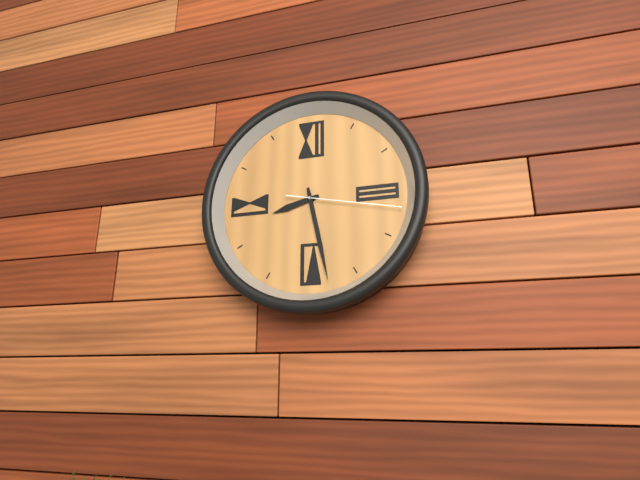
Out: {"hour": 8, "minute": 28, "second": 17}
